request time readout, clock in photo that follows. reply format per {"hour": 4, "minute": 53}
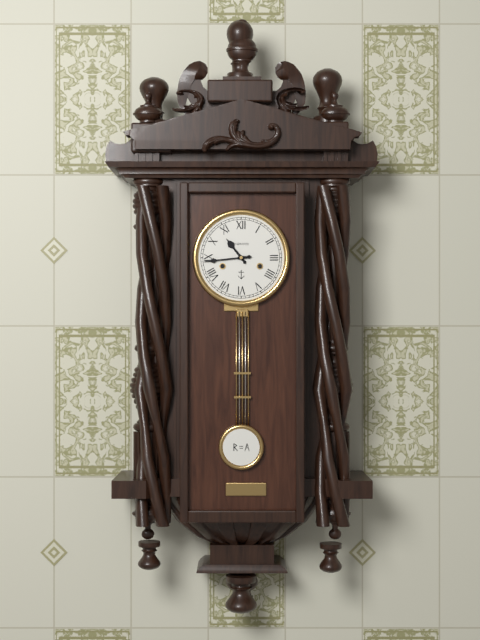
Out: {"hour": 10, "minute": 44}
